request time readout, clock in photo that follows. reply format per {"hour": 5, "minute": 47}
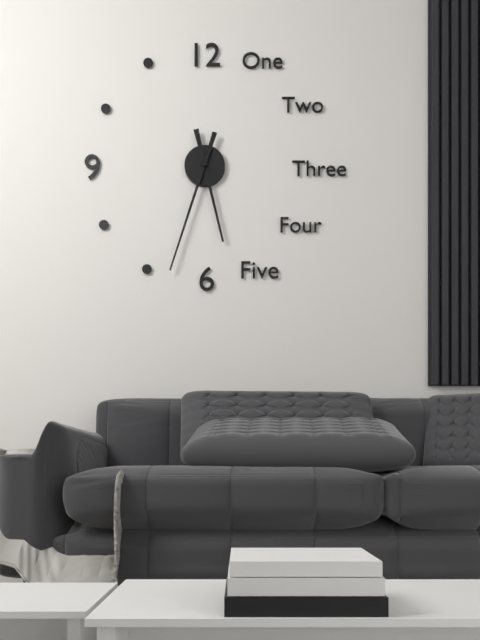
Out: {"hour": 5, "minute": 33}
